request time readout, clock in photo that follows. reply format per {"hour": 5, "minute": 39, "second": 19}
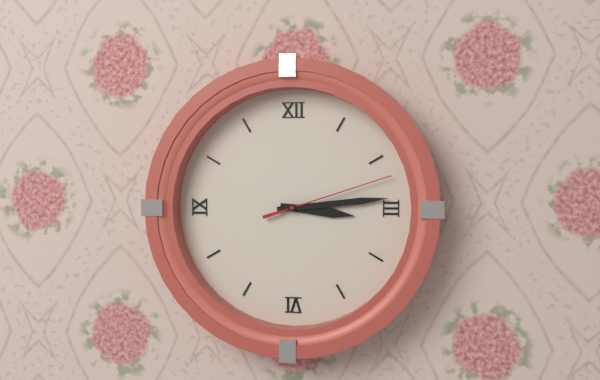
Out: {"hour": 3, "minute": 14, "second": 12}
